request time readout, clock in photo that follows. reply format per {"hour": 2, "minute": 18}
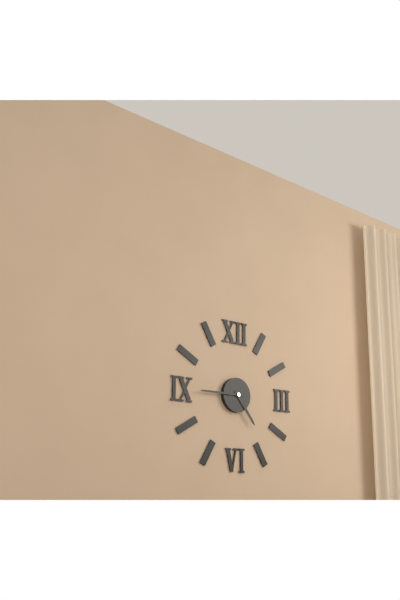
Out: {"hour": 4, "minute": 45}
